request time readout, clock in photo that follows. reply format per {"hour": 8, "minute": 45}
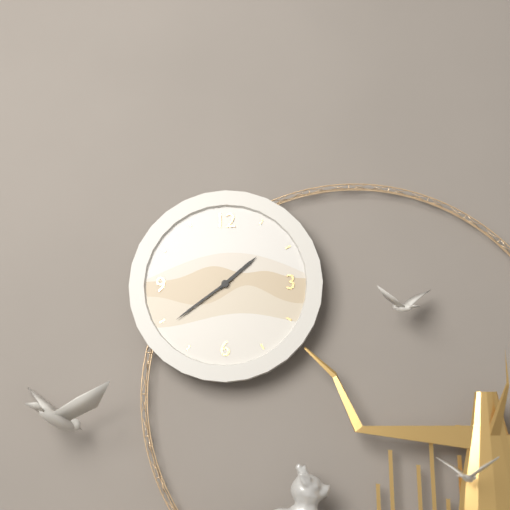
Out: {"hour": 1, "minute": 39}
